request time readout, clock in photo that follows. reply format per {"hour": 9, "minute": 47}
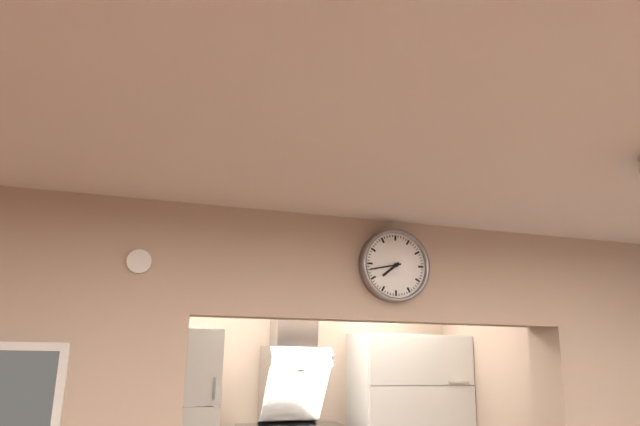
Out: {"hour": 7, "minute": 43}
